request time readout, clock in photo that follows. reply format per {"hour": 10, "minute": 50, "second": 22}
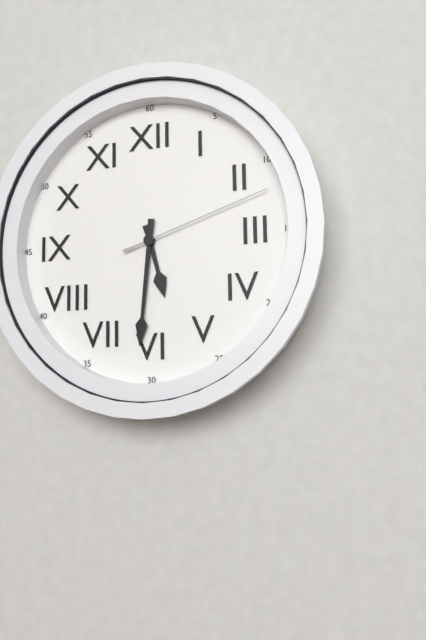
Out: {"hour": 5, "minute": 31, "second": 12}
